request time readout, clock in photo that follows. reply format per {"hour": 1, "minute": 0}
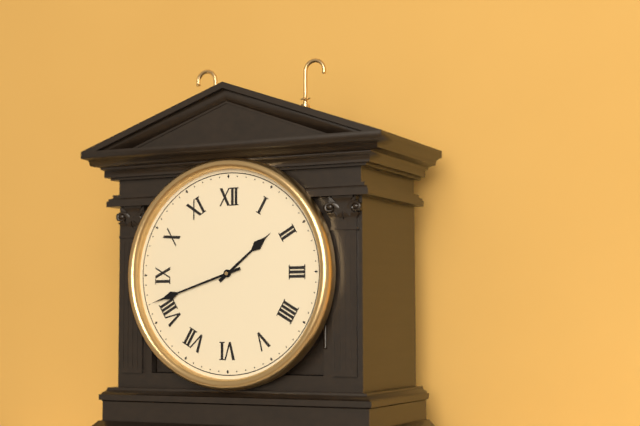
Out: {"hour": 1, "minute": 42}
